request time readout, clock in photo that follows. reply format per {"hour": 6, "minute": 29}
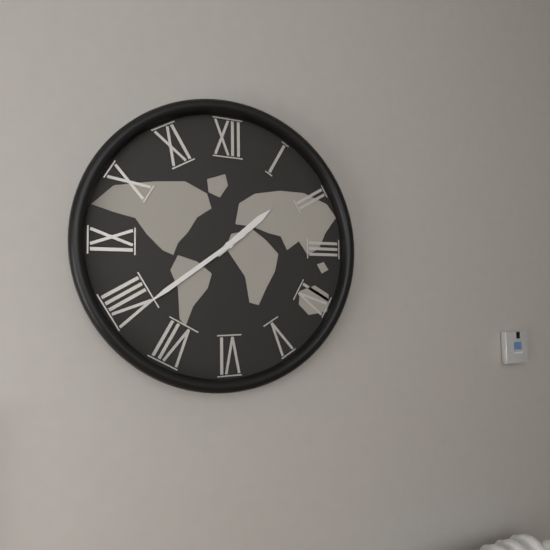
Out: {"hour": 1, "minute": 39}
